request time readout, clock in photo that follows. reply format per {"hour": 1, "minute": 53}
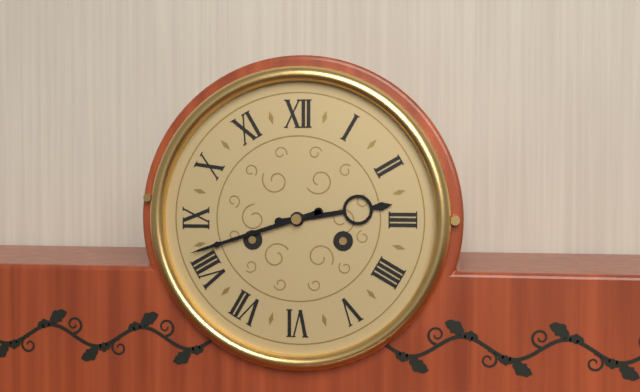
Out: {"hour": 2, "minute": 42}
